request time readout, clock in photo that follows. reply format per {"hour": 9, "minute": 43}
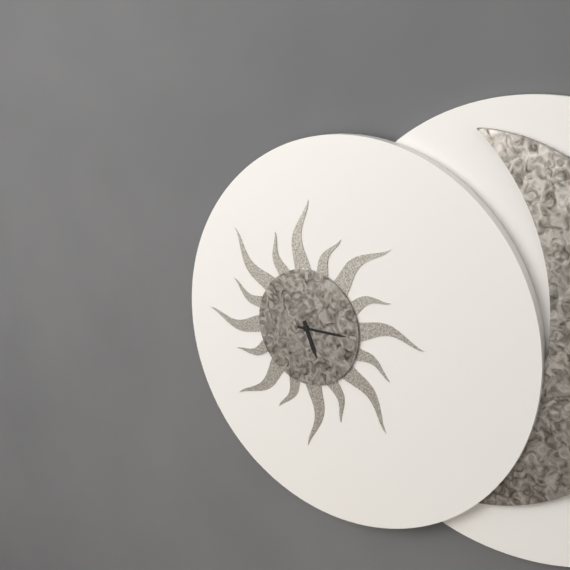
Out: {"hour": 5, "minute": 15}
